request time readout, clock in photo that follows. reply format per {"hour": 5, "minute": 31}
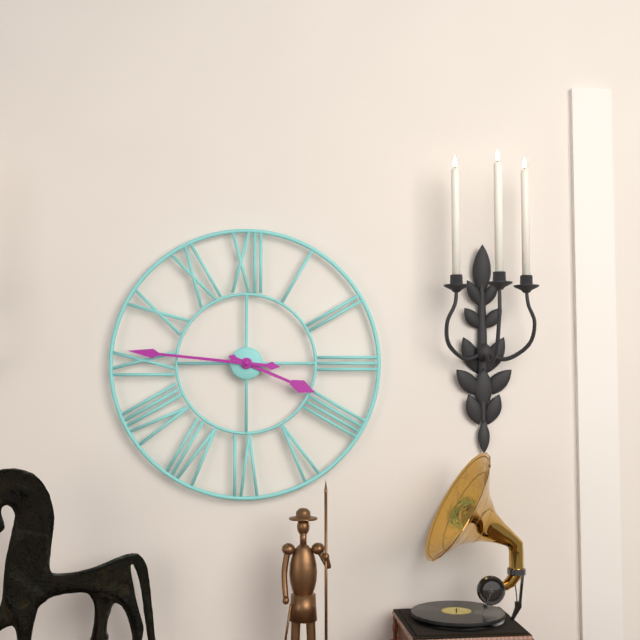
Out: {"hour": 3, "minute": 46}
